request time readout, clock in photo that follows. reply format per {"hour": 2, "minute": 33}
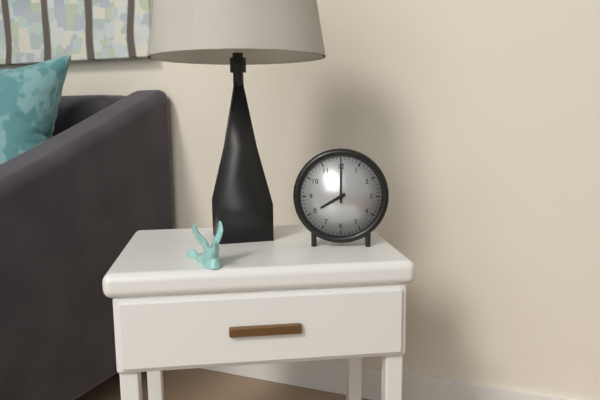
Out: {"hour": 8, "minute": 0}
